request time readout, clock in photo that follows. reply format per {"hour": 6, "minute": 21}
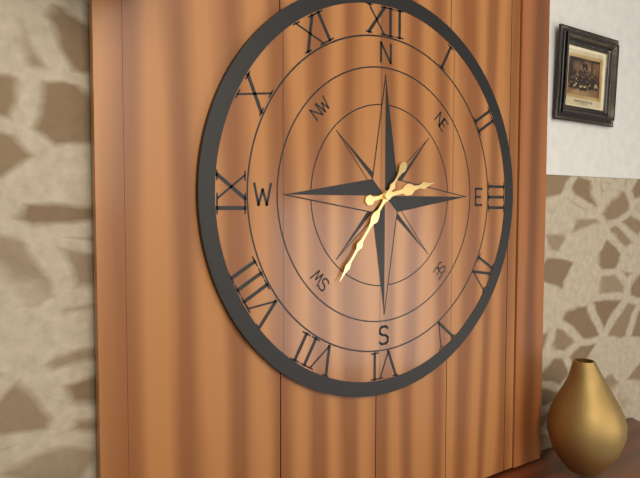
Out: {"hour": 2, "minute": 36}
